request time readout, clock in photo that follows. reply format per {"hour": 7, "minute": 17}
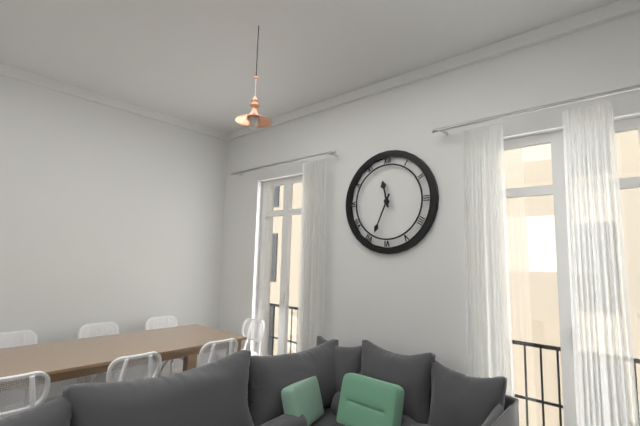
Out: {"hour": 11, "minute": 34}
